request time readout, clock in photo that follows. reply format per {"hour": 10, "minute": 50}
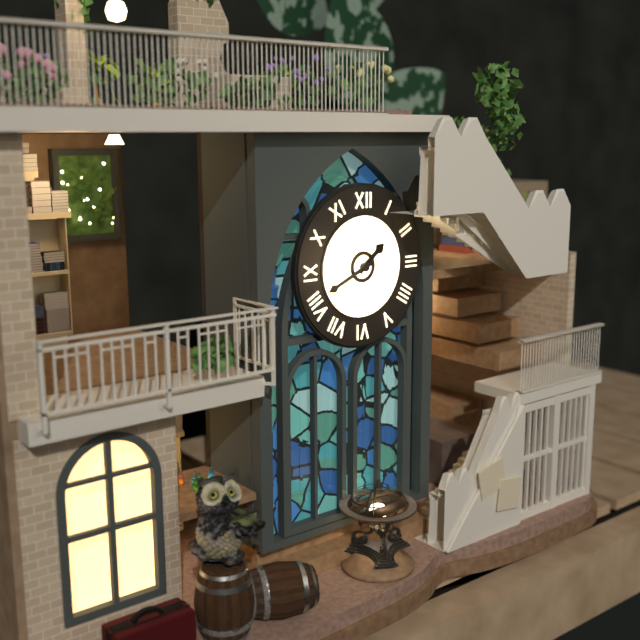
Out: {"hour": 1, "minute": 41}
